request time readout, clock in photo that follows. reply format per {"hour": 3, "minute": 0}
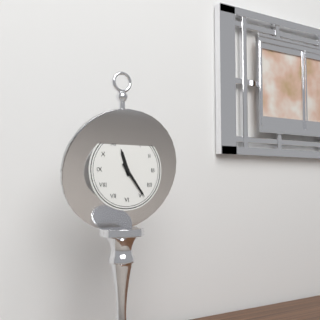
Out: {"hour": 11, "minute": 24}
